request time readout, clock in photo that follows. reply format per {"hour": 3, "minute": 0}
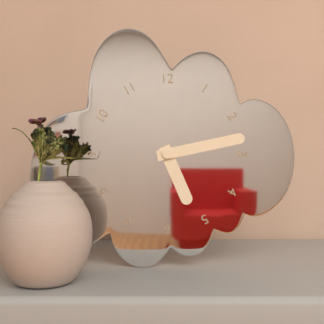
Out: {"hour": 5, "minute": 13}
